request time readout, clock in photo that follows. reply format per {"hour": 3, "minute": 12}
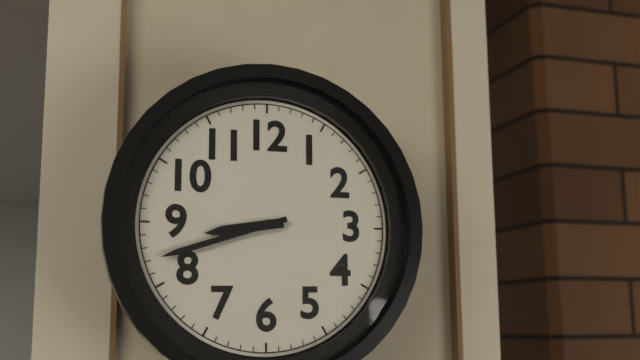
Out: {"hour": 8, "minute": 42}
